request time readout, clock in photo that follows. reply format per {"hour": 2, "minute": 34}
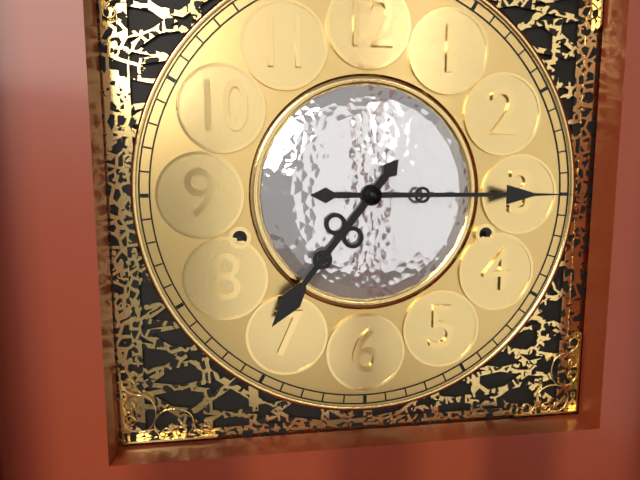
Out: {"hour": 7, "minute": 15}
